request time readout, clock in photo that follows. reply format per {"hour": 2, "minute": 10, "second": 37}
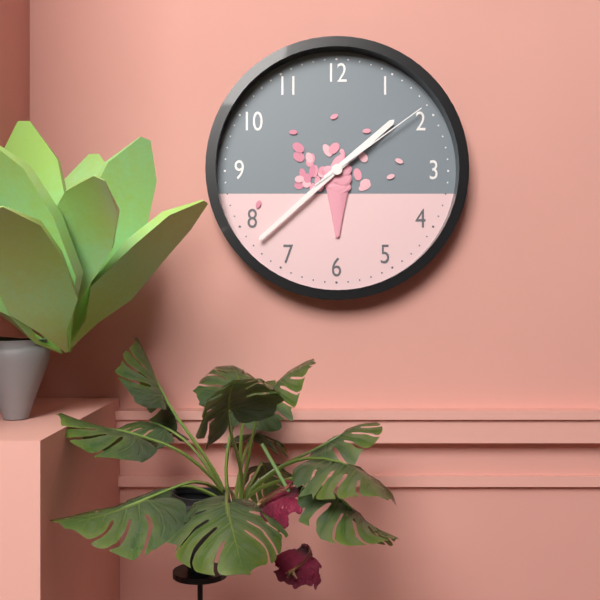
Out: {"hour": 1, "minute": 38, "second": 9}
